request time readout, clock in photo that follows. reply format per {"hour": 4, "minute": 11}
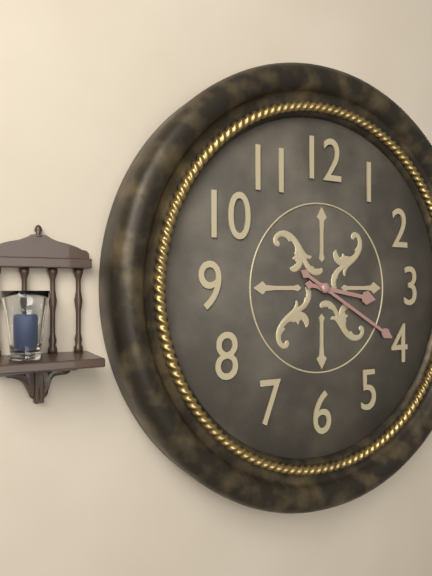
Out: {"hour": 3, "minute": 20}
